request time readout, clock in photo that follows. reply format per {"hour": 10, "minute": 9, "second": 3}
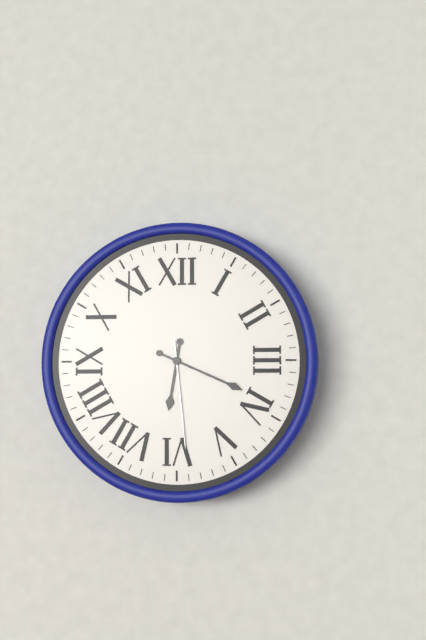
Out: {"hour": 6, "minute": 19, "second": 29}
